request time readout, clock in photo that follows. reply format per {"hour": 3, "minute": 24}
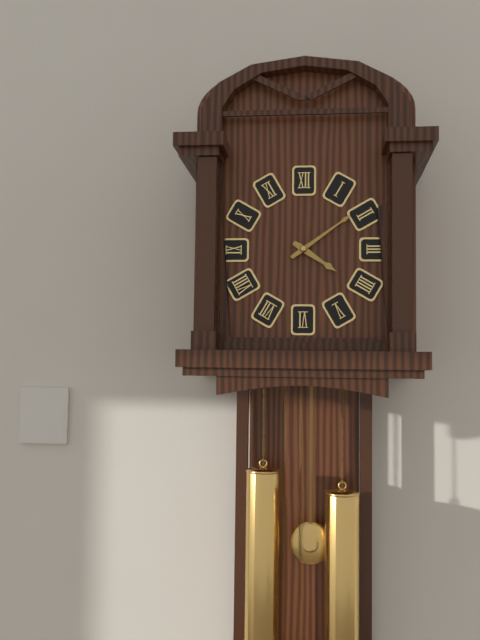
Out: {"hour": 4, "minute": 9}
